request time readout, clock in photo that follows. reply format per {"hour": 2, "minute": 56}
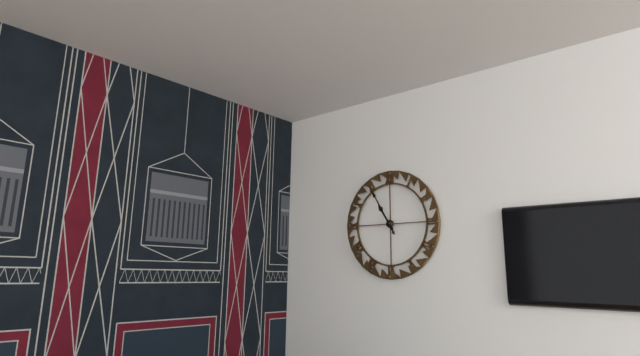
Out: {"hour": 10, "minute": 55}
